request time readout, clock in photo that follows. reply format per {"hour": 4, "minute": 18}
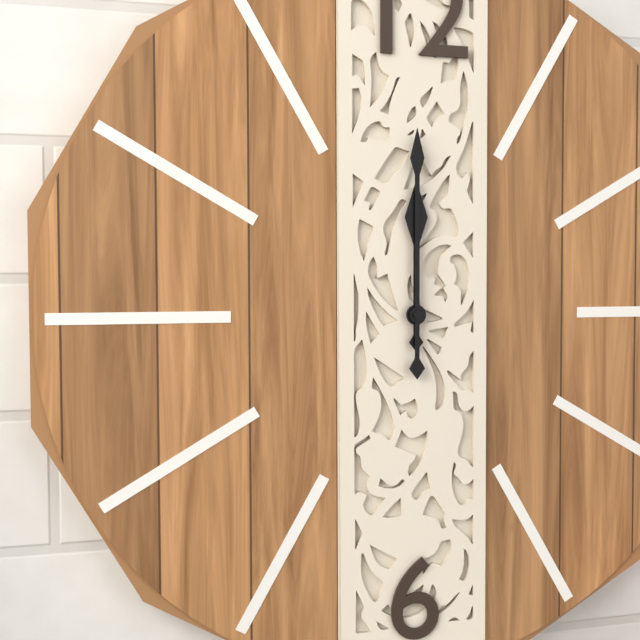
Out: {"hour": 12, "minute": 0}
